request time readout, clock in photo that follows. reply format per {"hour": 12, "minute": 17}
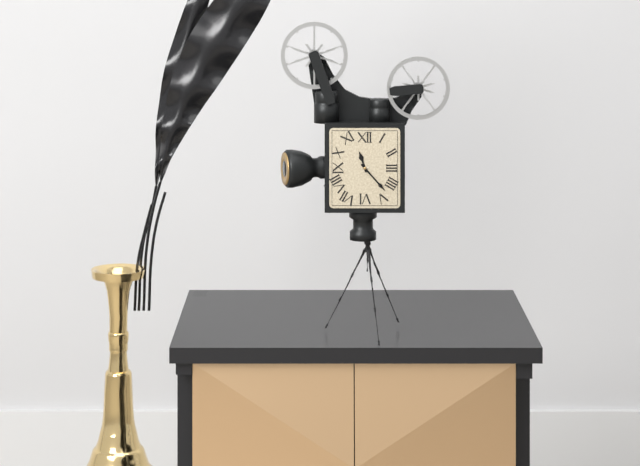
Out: {"hour": 11, "minute": 23}
